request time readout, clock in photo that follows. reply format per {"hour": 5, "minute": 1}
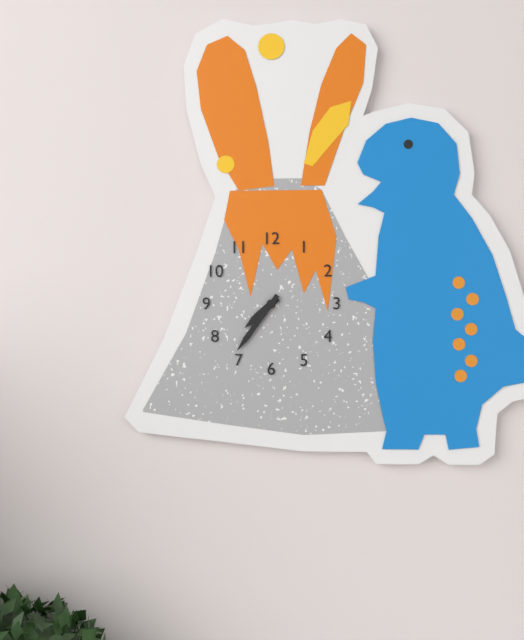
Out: {"hour": 7, "minute": 36}
